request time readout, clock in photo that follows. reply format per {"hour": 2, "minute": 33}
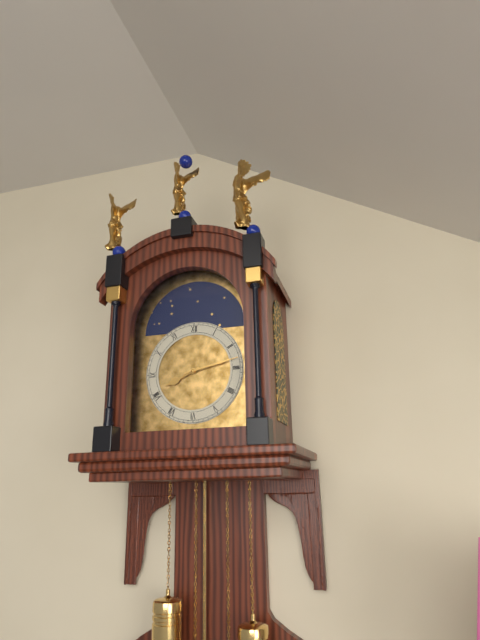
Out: {"hour": 8, "minute": 13}
